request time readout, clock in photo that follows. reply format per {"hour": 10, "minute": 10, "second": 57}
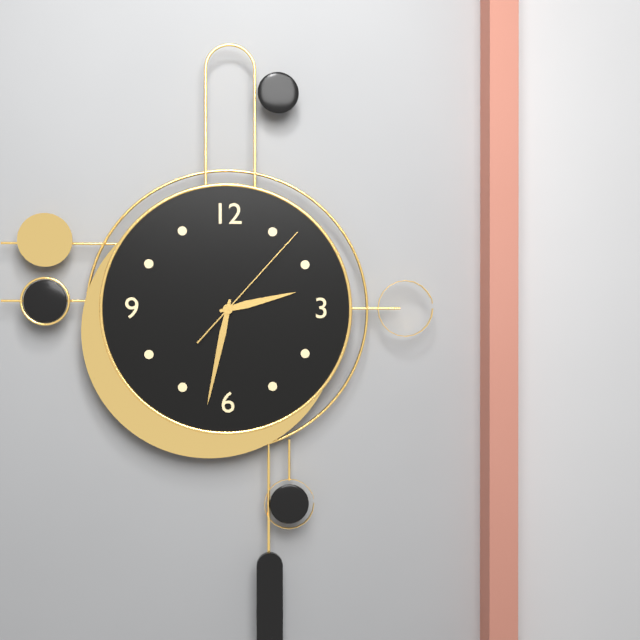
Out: {"hour": 2, "minute": 32, "second": 7}
